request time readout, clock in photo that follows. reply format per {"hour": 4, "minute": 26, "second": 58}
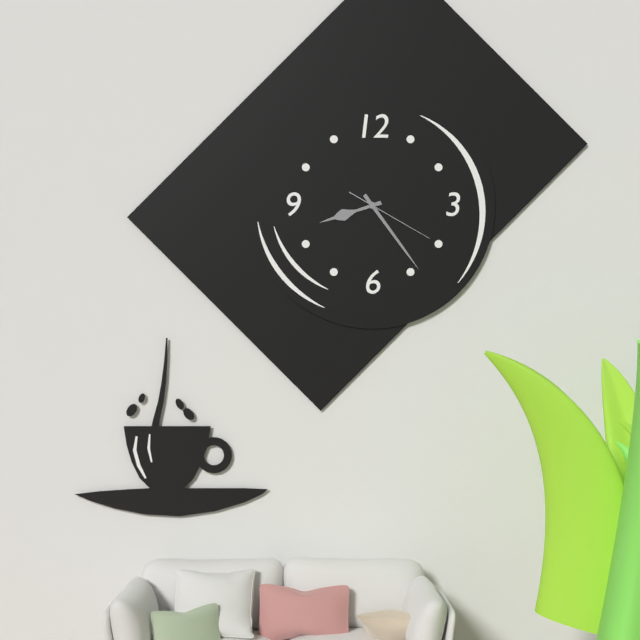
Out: {"hour": 8, "minute": 24, "second": 20}
